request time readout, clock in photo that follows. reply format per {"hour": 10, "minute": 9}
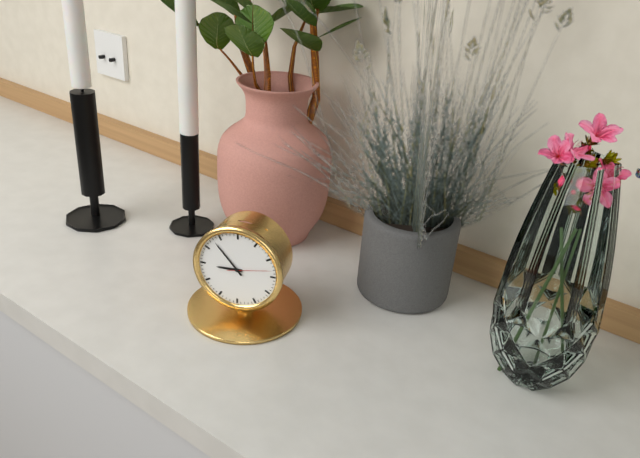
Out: {"hour": 8, "minute": 53}
